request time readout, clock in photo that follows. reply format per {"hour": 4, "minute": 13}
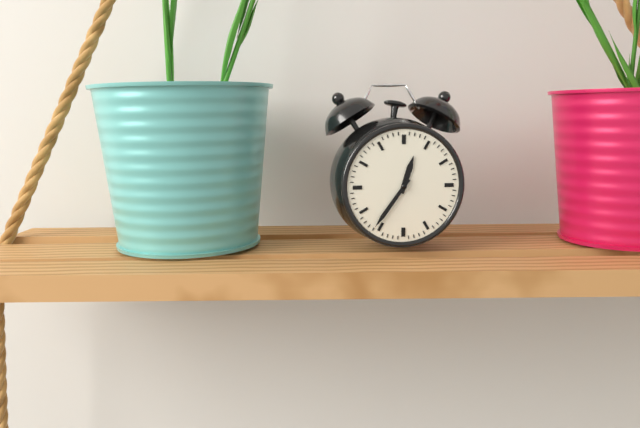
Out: {"hour": 12, "minute": 36}
